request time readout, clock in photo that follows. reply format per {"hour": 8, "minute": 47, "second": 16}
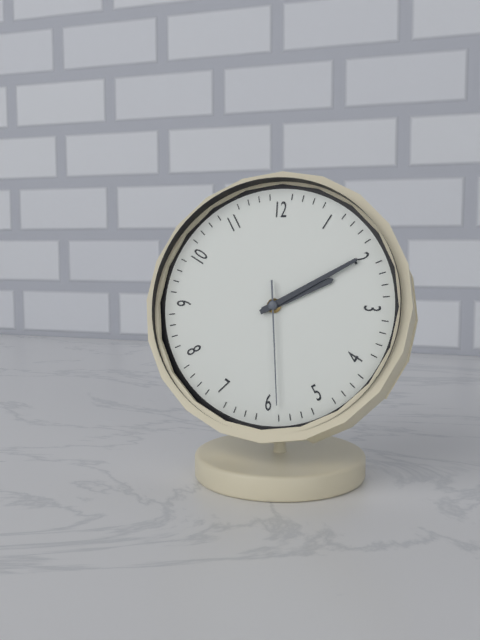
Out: {"hour": 2, "minute": 10, "second": 29}
